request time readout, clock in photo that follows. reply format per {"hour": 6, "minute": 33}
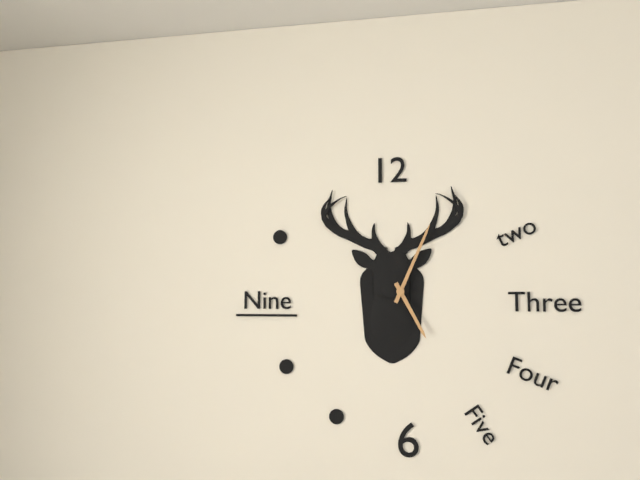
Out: {"hour": 5, "minute": 4}
